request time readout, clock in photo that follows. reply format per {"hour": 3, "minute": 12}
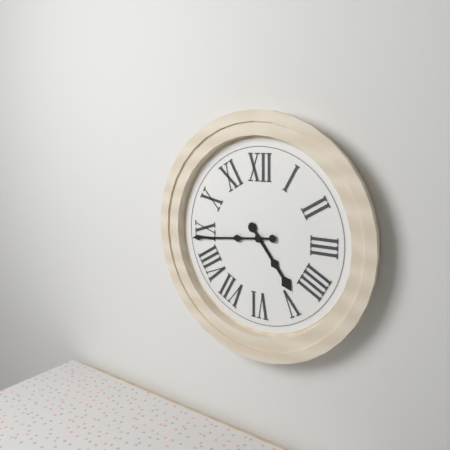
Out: {"hour": 4, "minute": 44}
